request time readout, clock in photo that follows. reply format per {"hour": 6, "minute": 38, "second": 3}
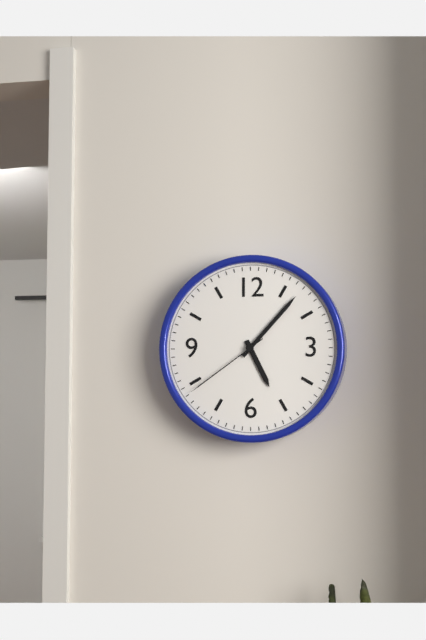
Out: {"hour": 5, "minute": 7, "second": 39}
